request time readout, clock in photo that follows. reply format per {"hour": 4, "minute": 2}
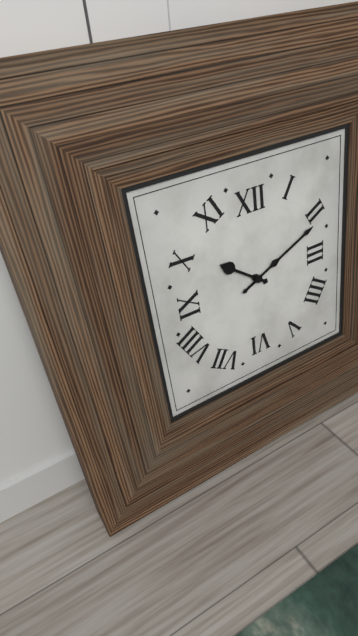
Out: {"hour": 10, "minute": 11}
